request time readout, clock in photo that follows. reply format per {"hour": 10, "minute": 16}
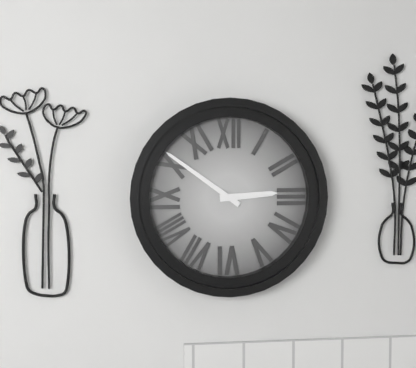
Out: {"hour": 2, "minute": 51}
